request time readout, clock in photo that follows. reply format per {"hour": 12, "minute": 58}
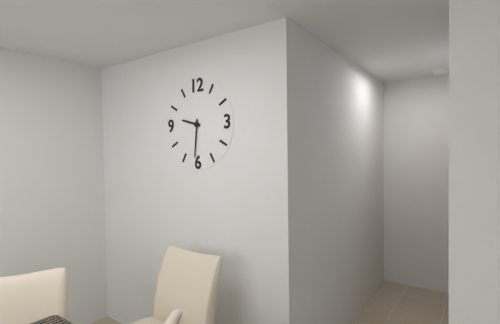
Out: {"hour": 9, "minute": 31}
